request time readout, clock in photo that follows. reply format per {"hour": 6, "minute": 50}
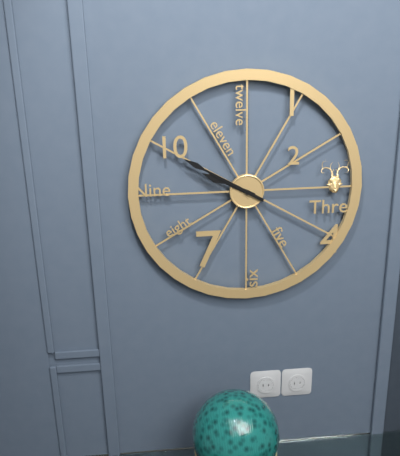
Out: {"hour": 9, "minute": 50}
